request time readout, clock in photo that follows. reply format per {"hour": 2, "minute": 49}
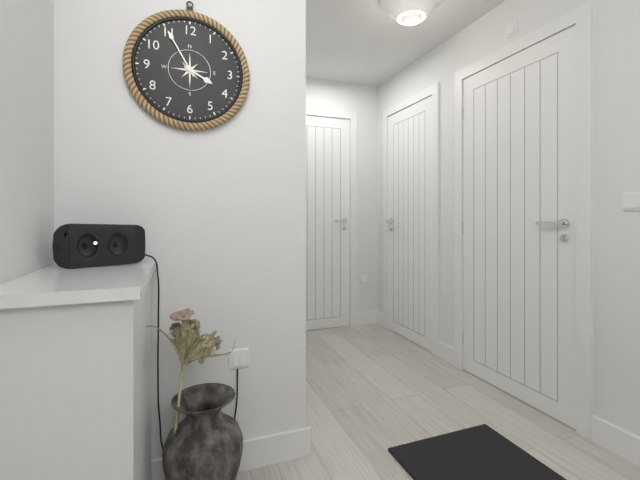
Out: {"hour": 3, "minute": 55}
